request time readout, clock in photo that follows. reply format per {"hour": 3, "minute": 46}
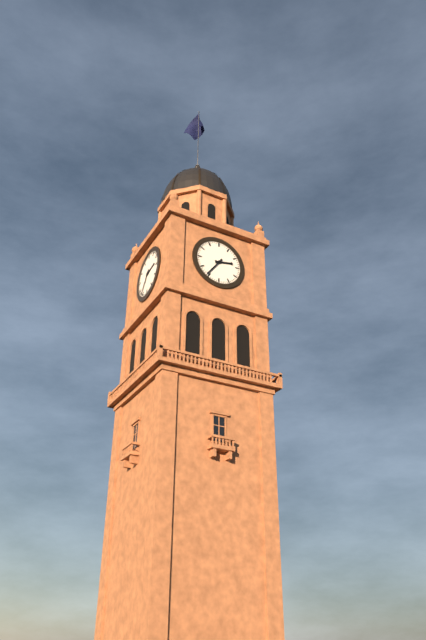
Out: {"hour": 2, "minute": 36}
